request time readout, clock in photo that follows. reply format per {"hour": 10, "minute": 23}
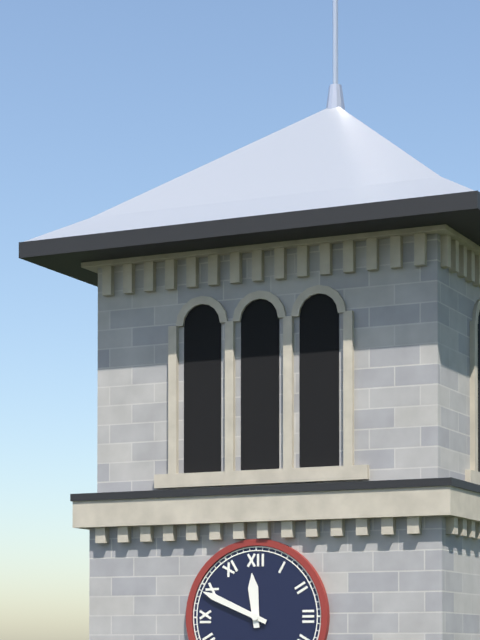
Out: {"hour": 11, "minute": 49}
